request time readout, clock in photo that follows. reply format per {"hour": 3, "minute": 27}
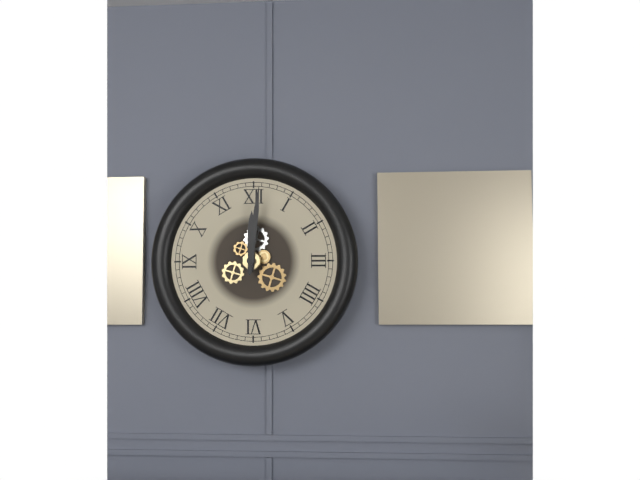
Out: {"hour": 12, "minute": 1}
